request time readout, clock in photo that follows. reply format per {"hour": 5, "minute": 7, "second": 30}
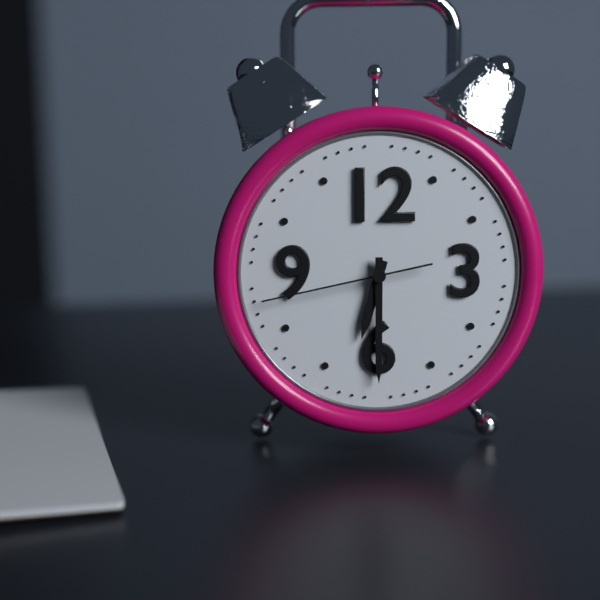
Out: {"hour": 6, "minute": 30, "second": 43}
